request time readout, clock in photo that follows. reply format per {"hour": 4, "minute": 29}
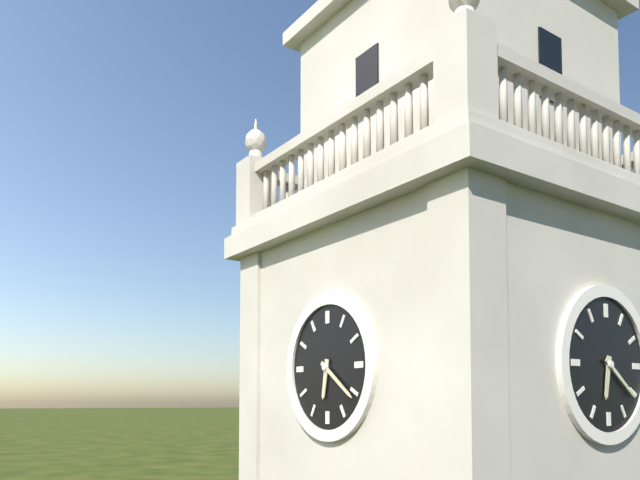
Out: {"hour": 6, "minute": 21}
